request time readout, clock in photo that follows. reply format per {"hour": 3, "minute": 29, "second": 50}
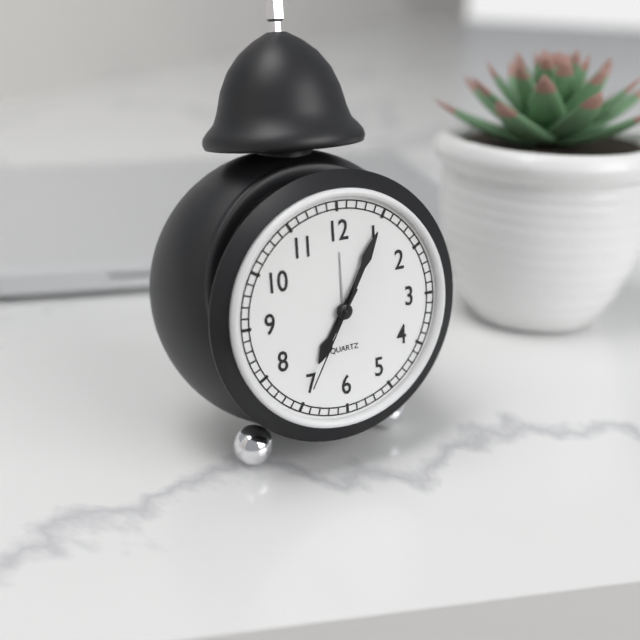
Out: {"hour": 7, "minute": 5, "second": 35}
